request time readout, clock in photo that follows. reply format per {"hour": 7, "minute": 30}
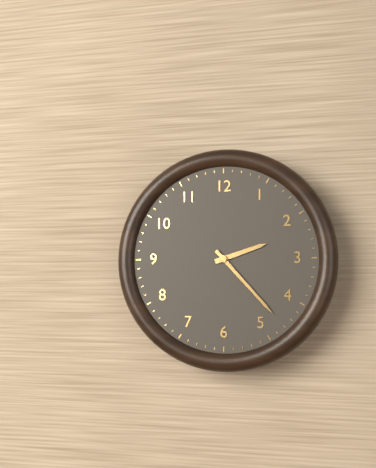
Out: {"hour": 2, "minute": 23}
